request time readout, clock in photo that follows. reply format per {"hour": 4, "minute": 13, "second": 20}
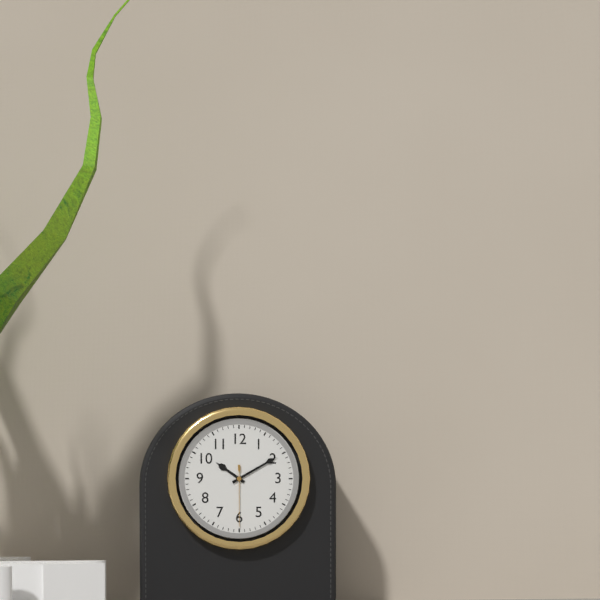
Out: {"hour": 10, "minute": 10, "second": 30}
